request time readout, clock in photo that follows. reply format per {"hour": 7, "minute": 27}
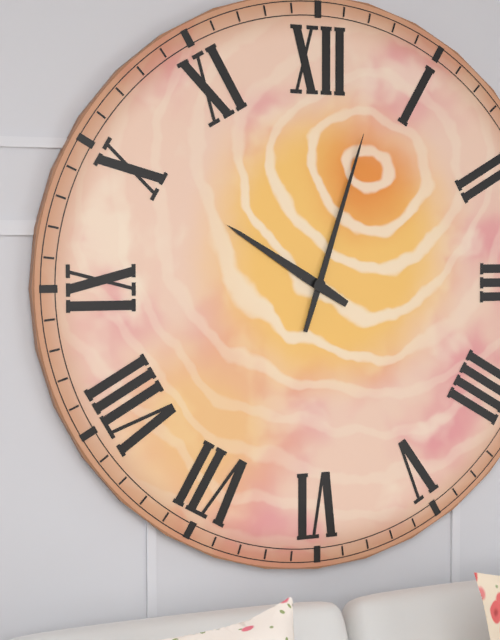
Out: {"hour": 10, "minute": 3}
